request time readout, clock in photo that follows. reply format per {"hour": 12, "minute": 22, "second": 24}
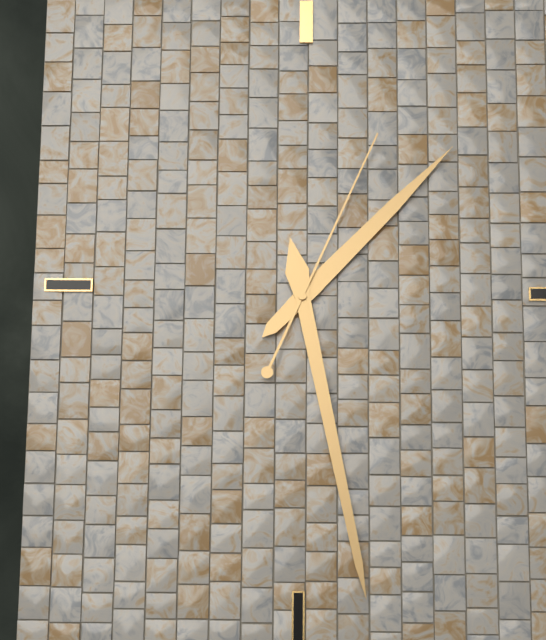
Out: {"hour": 1, "minute": 28, "second": 4}
